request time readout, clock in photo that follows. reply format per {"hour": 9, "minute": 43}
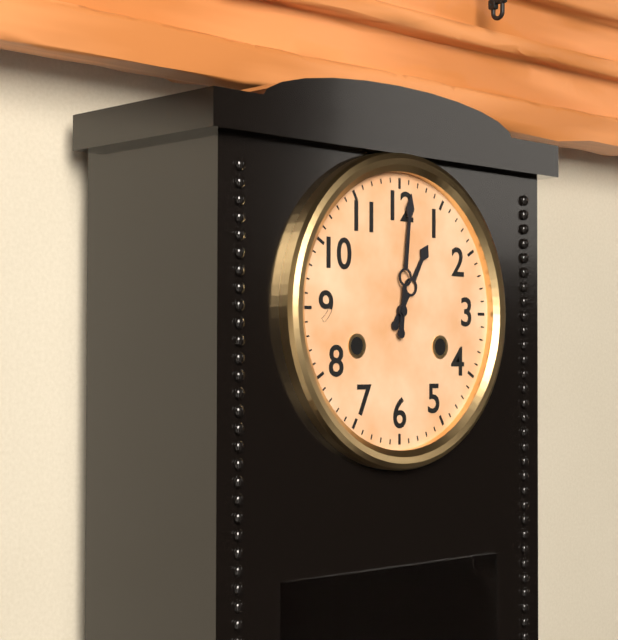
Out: {"hour": 1, "minute": 1}
